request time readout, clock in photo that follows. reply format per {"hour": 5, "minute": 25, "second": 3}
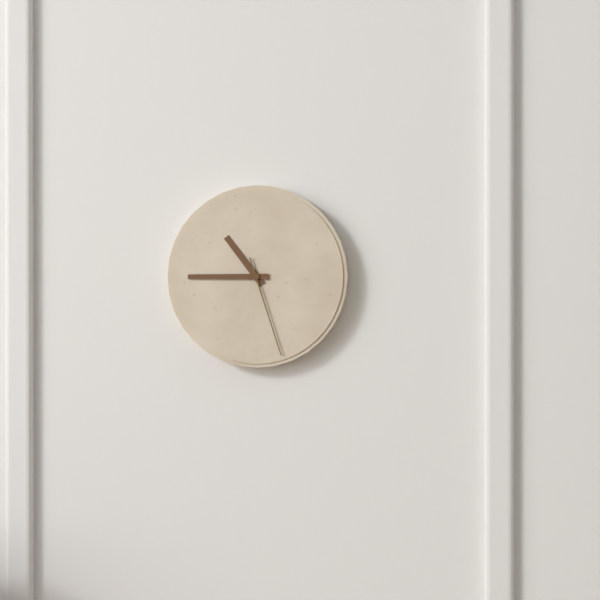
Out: {"hour": 10, "minute": 45, "second": 27}
